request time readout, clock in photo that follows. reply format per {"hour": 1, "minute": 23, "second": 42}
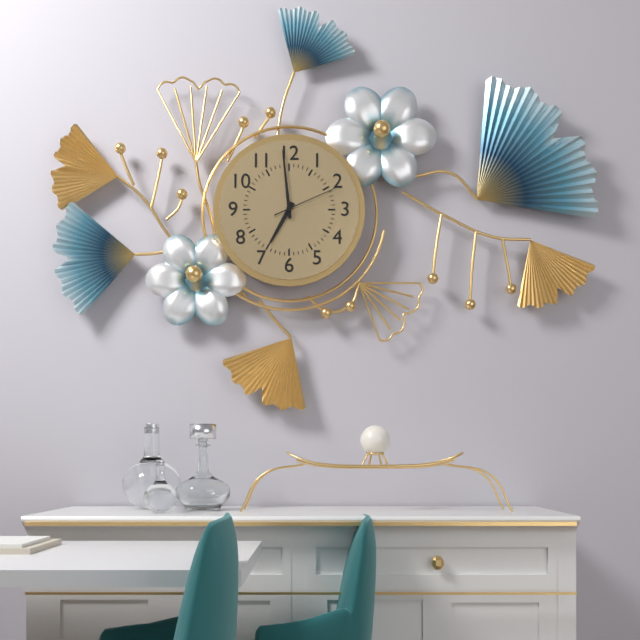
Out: {"hour": 6, "minute": 59, "second": 11}
